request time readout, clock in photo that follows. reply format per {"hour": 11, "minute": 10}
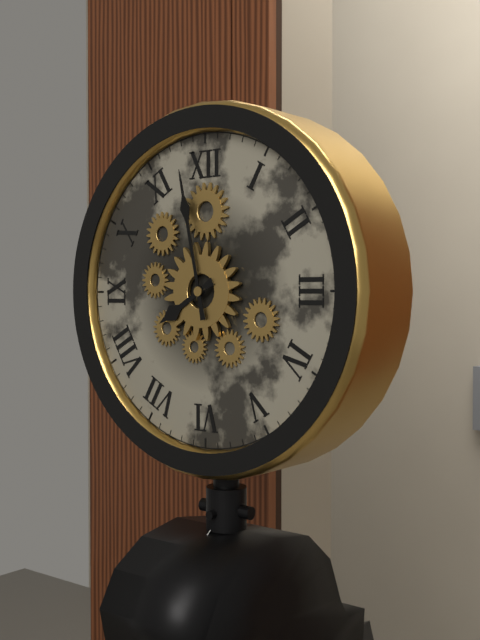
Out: {"hour": 7, "minute": 58}
